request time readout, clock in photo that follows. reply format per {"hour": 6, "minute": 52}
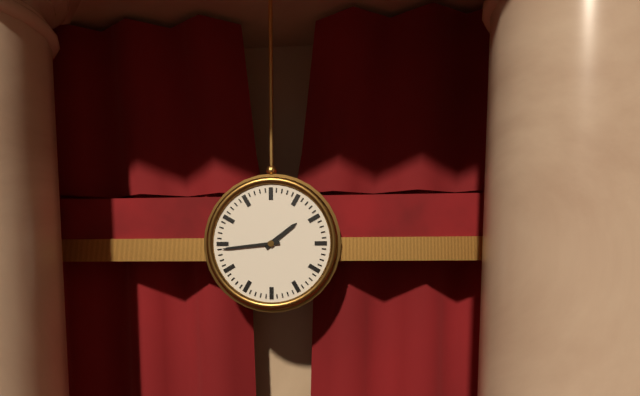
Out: {"hour": 1, "minute": 44}
